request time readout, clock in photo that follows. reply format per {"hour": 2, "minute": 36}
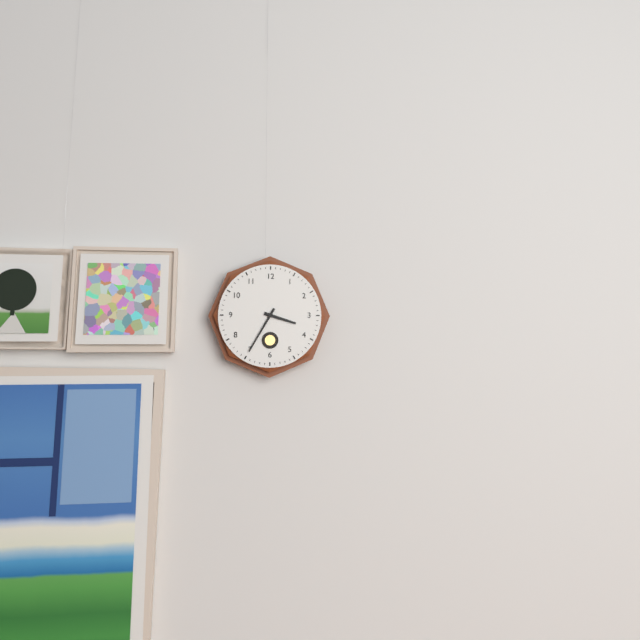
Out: {"hour": 3, "minute": 35}
